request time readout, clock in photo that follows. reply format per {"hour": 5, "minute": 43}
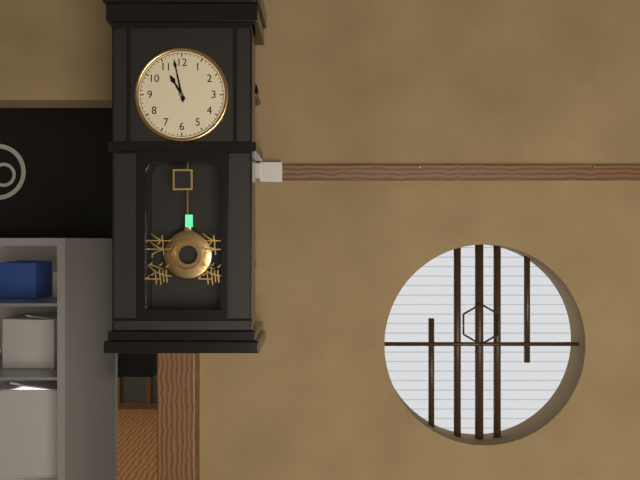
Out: {"hour": 10, "minute": 58}
